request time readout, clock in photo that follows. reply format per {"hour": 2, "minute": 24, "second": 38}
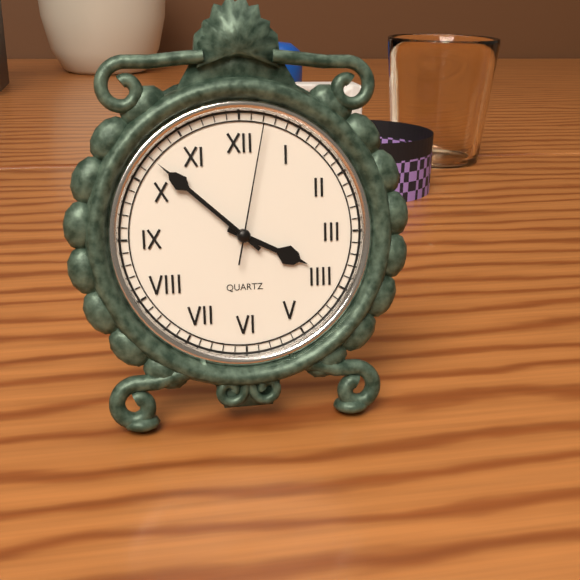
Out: {"hour": 3, "minute": 52, "second": 2}
